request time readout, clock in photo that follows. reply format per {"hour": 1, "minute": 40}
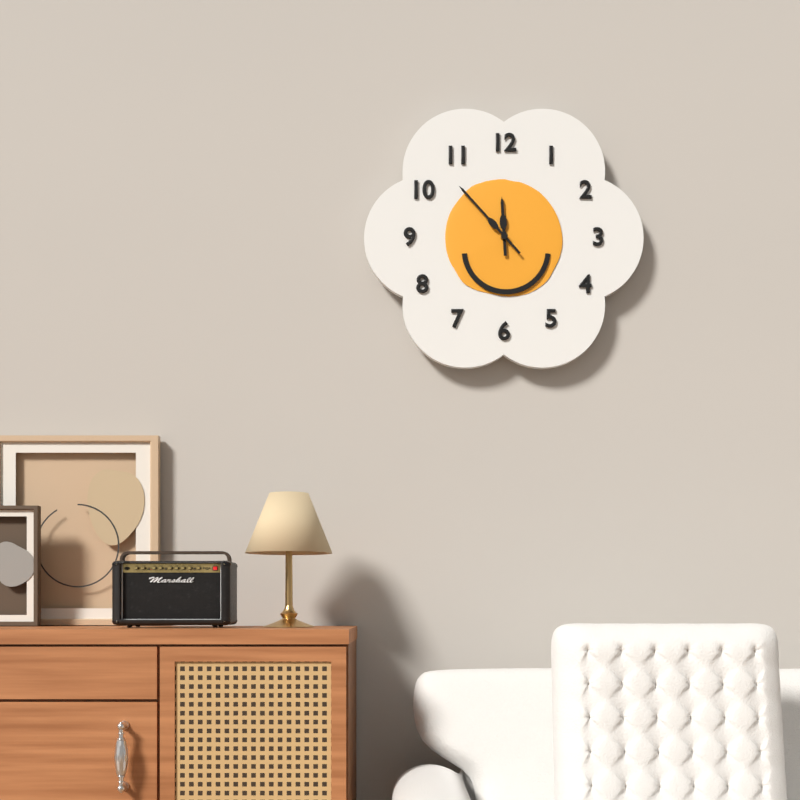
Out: {"hour": 11, "minute": 53}
